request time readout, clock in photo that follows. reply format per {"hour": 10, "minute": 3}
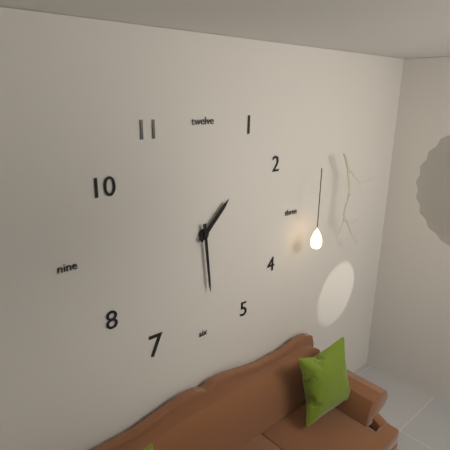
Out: {"hour": 1, "minute": 29}
